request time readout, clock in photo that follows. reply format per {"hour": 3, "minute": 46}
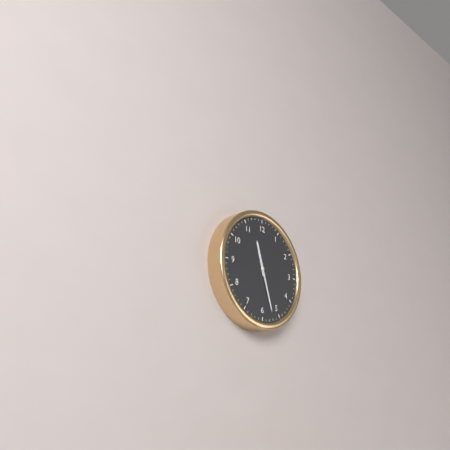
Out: {"hour": 11, "minute": 27}
